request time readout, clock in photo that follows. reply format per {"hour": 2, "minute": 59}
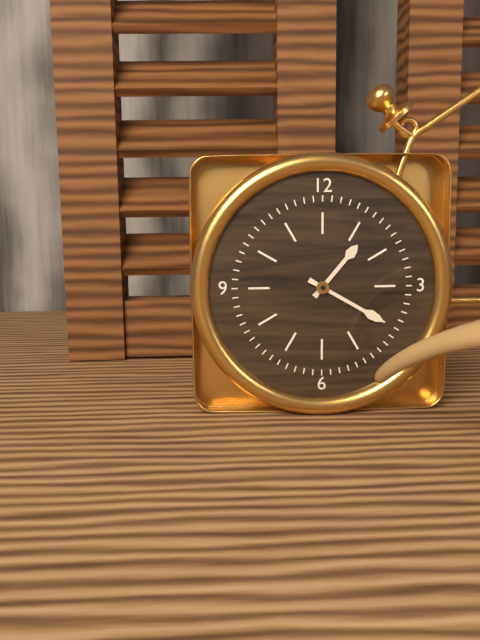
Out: {"hour": 1, "minute": 20}
